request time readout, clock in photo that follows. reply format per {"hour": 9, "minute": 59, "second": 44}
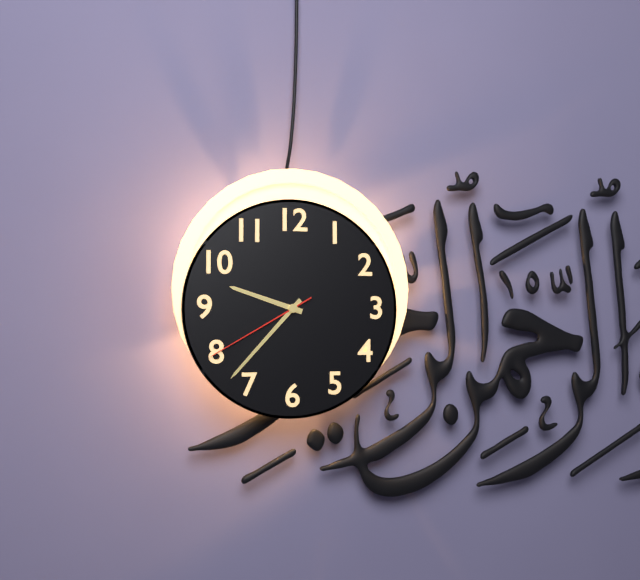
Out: {"hour": 9, "minute": 37, "second": 40}
